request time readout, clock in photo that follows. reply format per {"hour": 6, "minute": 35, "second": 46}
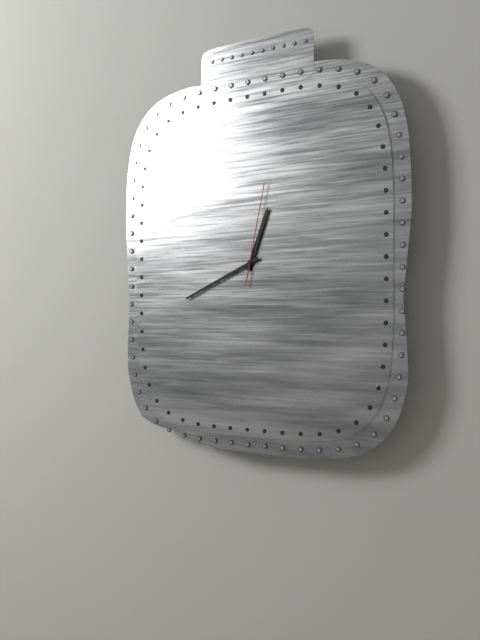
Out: {"hour": 12, "minute": 41, "second": 2}
